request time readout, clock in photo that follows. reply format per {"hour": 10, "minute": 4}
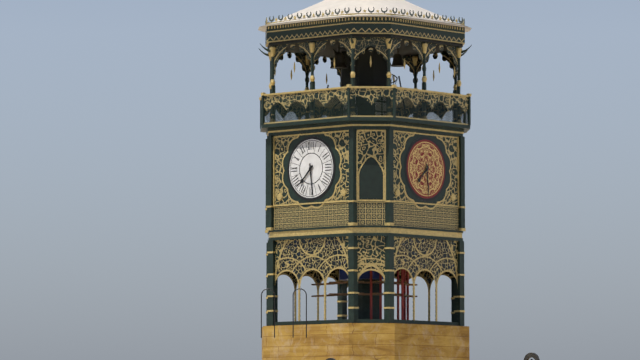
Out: {"hour": 7, "minute": 29}
